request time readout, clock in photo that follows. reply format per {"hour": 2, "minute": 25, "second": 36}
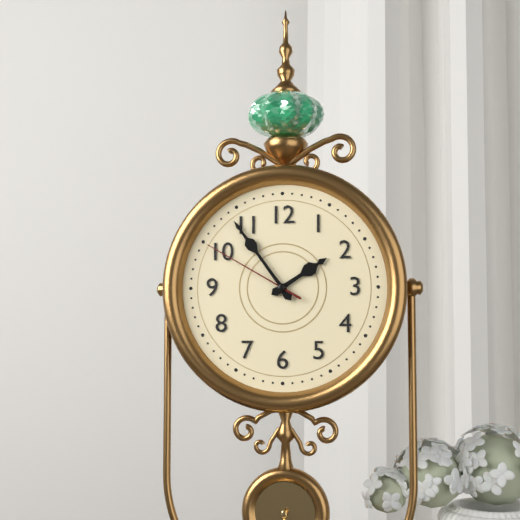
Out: {"hour": 1, "minute": 54, "second": 50}
